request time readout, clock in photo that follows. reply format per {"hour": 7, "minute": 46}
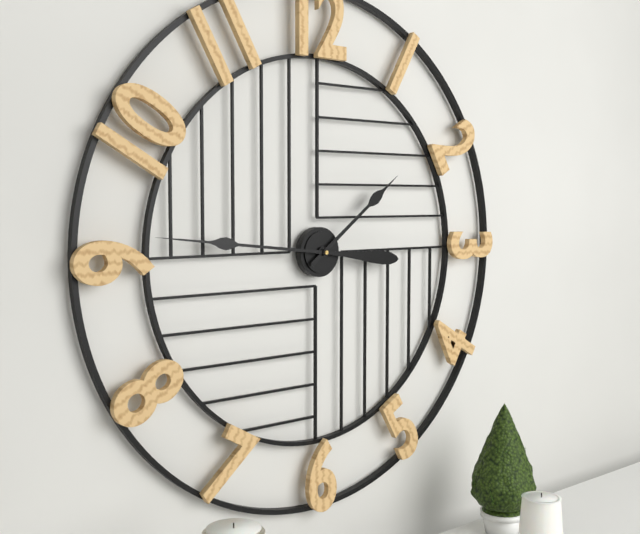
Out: {"hour": 1, "minute": 46}
